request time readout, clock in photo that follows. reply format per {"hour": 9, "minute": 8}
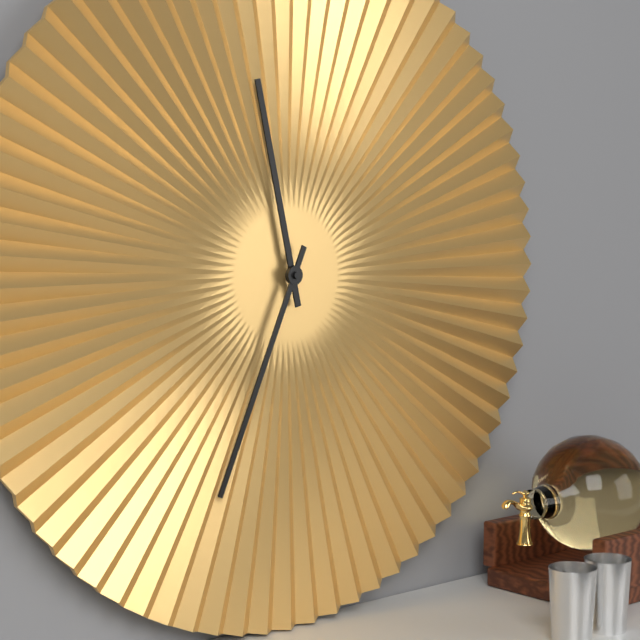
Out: {"hour": 11, "minute": 34}
